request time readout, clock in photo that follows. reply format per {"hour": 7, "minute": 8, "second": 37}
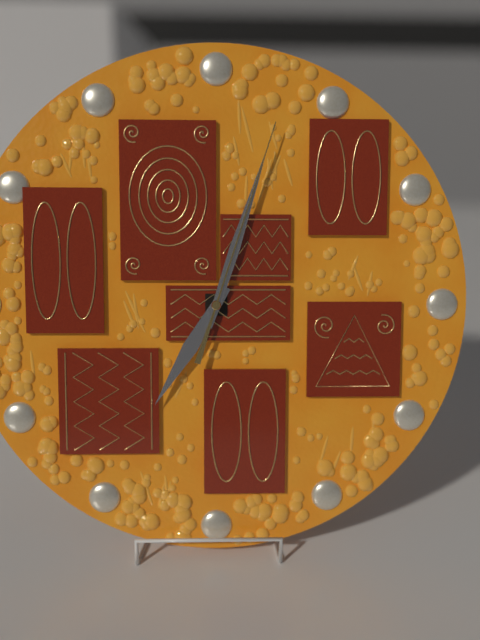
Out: {"hour": 7, "minute": 3, "second": 3}
